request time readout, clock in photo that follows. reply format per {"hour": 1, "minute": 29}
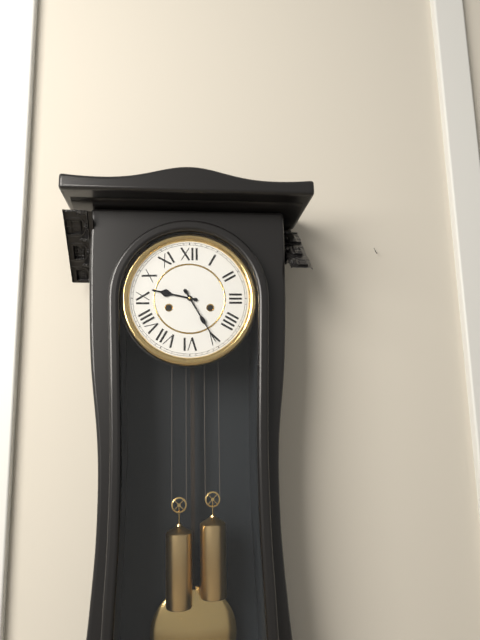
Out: {"hour": 9, "minute": 25}
